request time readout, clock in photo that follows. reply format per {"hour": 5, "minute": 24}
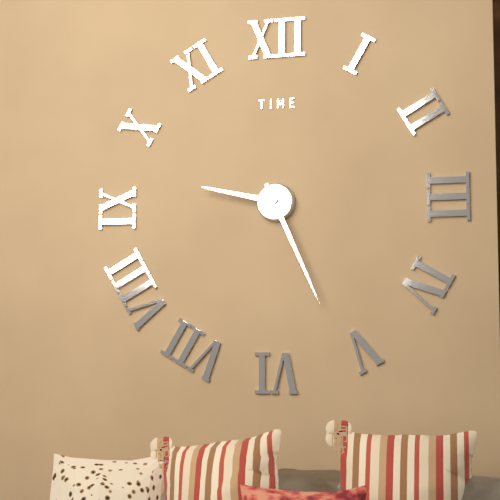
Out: {"hour": 9, "minute": 26}
